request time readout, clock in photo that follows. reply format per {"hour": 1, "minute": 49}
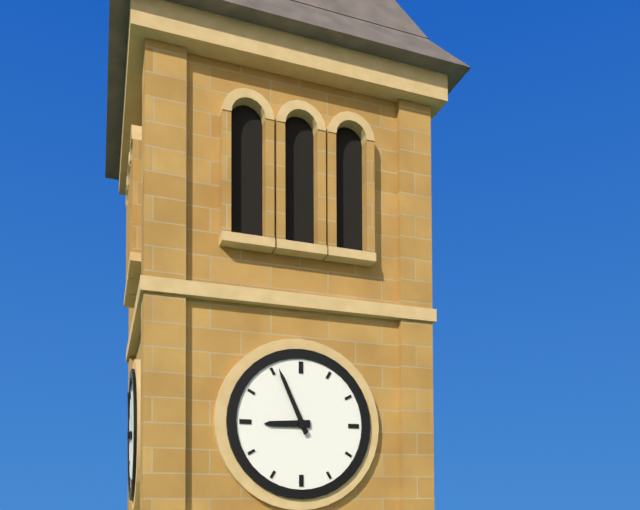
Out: {"hour": 8, "minute": 56}
